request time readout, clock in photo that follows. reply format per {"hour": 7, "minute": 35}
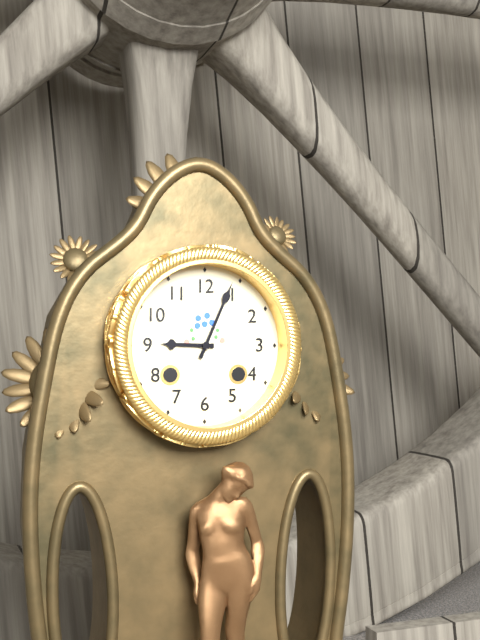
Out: {"hour": 9, "minute": 4}
